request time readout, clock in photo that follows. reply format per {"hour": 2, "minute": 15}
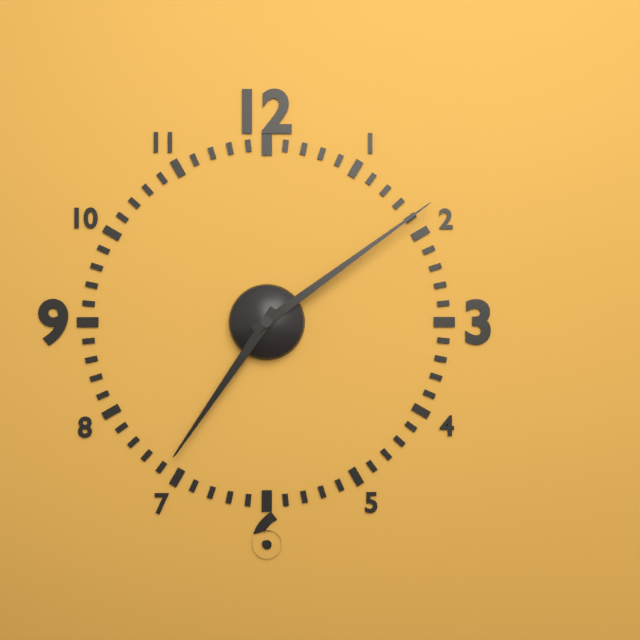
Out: {"hour": 7, "minute": 9}
